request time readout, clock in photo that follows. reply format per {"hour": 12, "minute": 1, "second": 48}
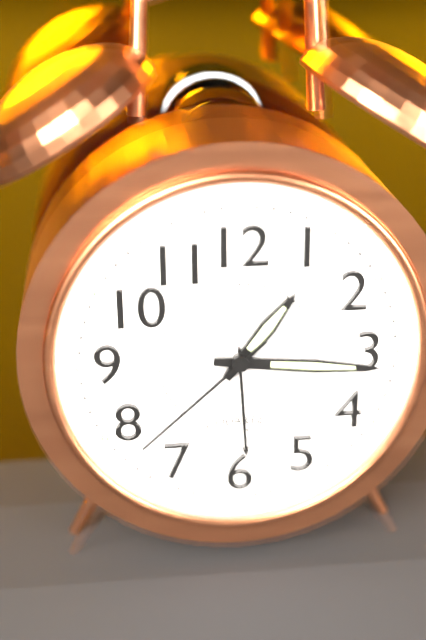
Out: {"hour": 1, "minute": 16, "second": 38}
